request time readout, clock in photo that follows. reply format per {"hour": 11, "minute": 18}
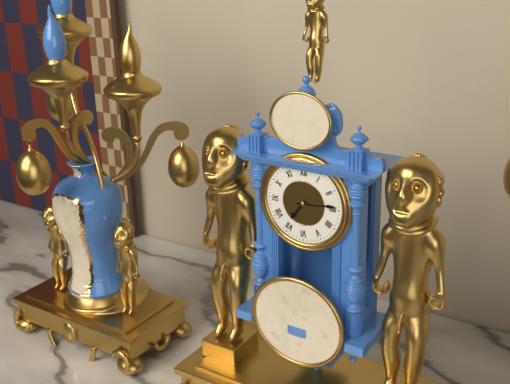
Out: {"hour": 7, "minute": 14}
